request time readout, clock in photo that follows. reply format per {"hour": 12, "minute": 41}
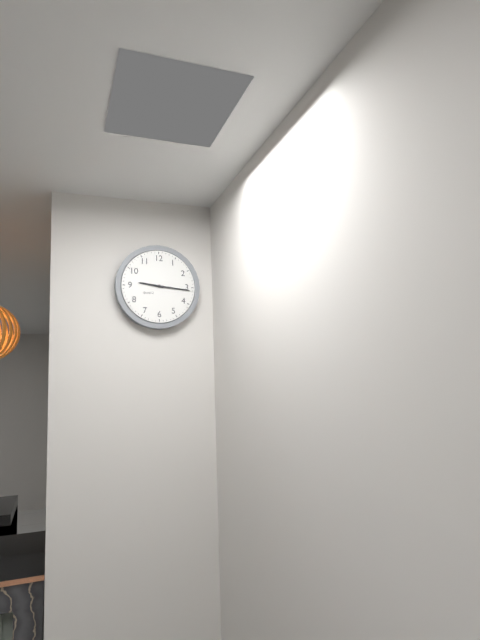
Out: {"hour": 9, "minute": 16}
